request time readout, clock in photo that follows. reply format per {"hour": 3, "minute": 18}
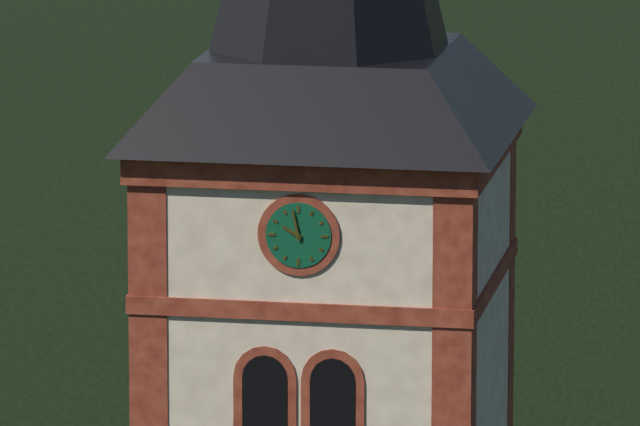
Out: {"hour": 9, "minute": 58}
